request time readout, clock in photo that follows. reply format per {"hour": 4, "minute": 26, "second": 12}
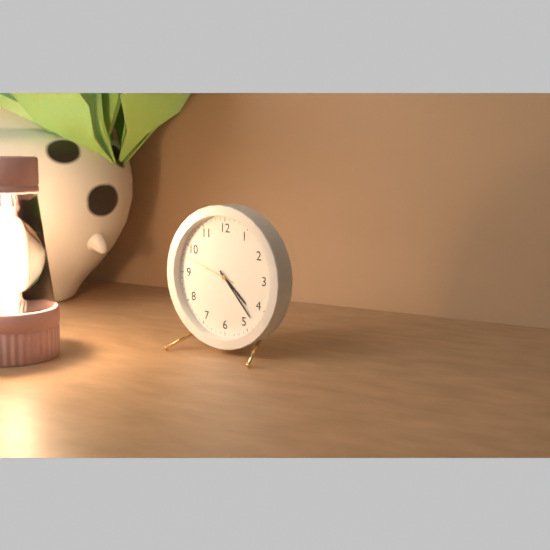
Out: {"hour": 4, "minute": 23, "second": 48}
